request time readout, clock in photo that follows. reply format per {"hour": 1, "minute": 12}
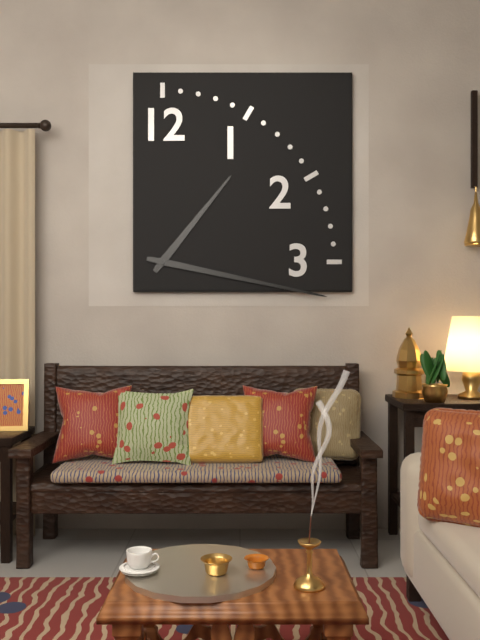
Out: {"hour": 1, "minute": 17}
